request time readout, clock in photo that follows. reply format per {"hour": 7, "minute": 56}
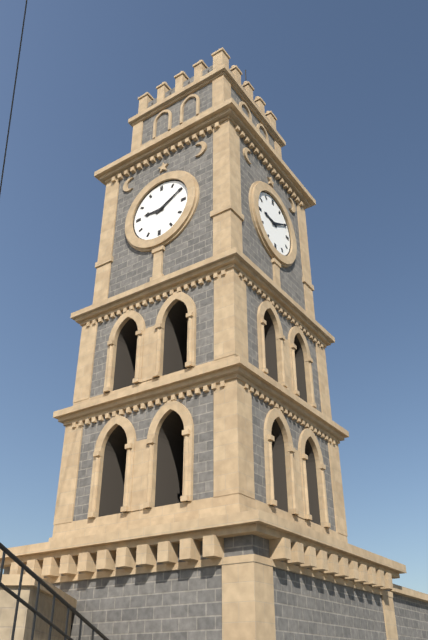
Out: {"hour": 9, "minute": 10}
